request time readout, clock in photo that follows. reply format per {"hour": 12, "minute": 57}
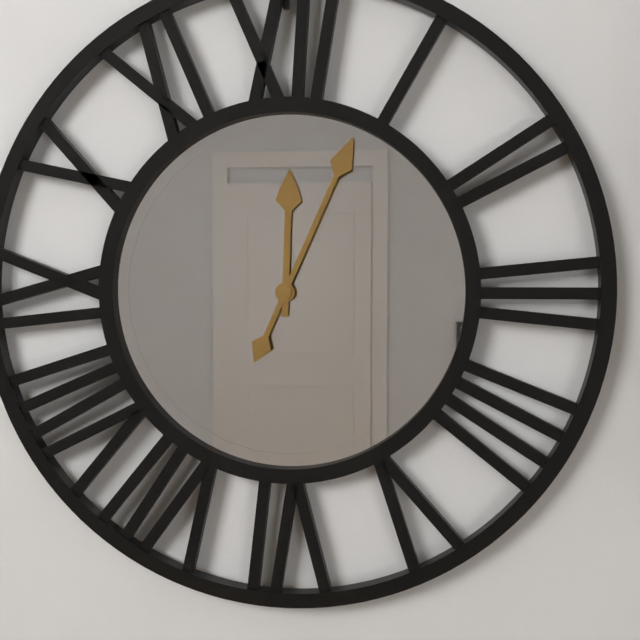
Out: {"hour": 12, "minute": 4}
